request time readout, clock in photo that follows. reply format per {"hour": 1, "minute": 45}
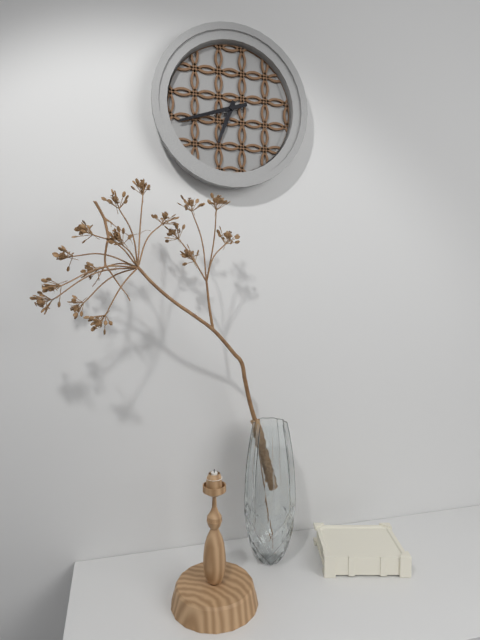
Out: {"hour": 6, "minute": 42}
